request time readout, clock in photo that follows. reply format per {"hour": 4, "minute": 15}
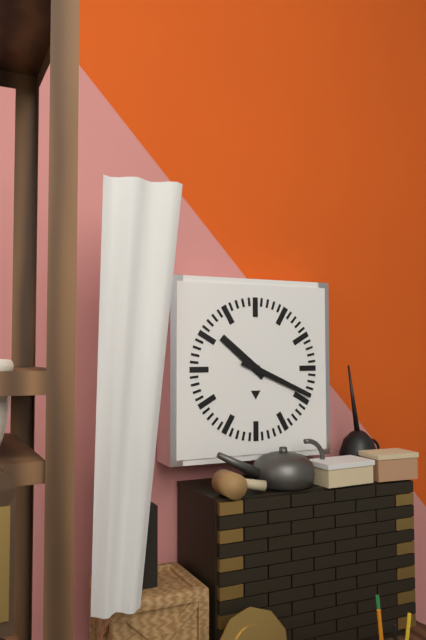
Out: {"hour": 10, "minute": 19}
